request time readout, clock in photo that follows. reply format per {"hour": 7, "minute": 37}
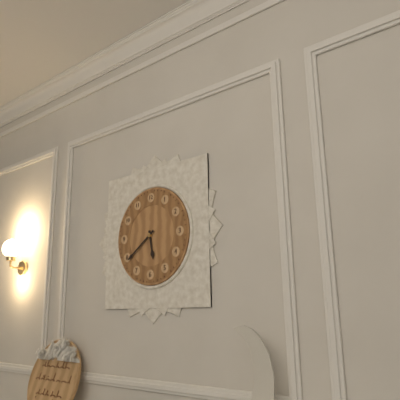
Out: {"hour": 5, "minute": 39}
